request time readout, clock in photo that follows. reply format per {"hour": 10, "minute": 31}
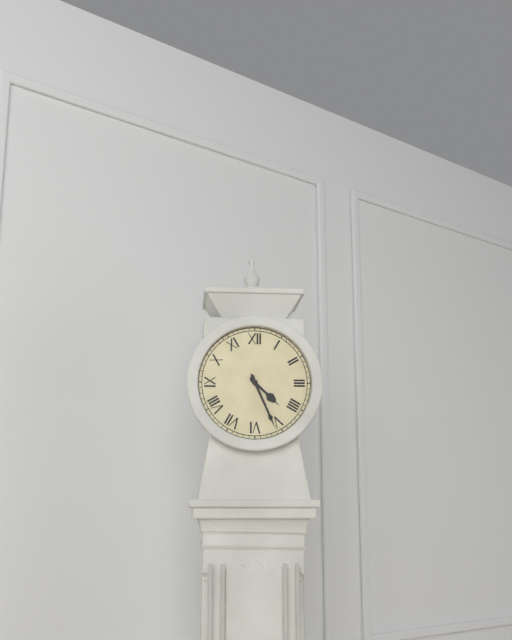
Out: {"hour": 4, "minute": 26}
